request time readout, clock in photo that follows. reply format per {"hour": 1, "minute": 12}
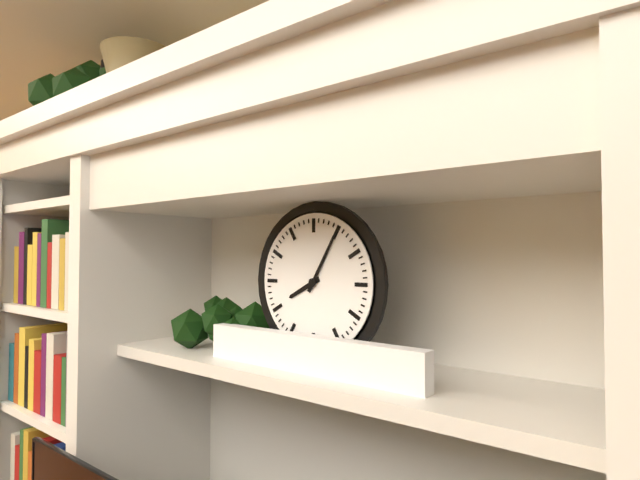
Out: {"hour": 8, "minute": 5}
